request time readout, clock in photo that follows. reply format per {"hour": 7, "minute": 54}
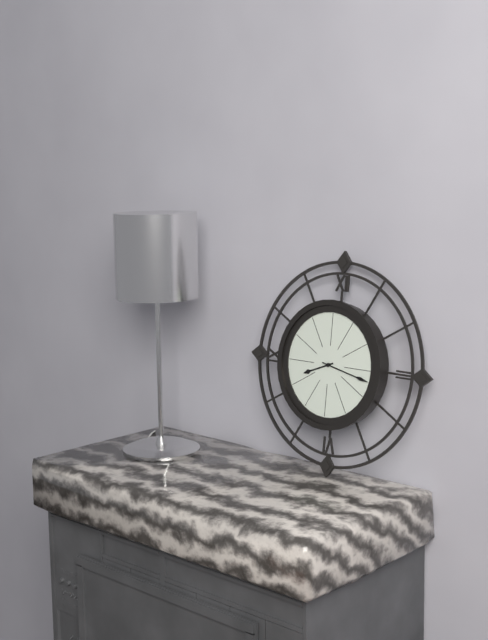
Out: {"hour": 8, "minute": 17}
